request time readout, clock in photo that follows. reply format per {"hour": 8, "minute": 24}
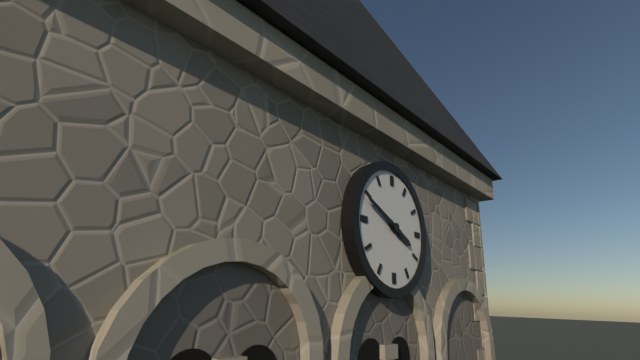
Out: {"hour": 3, "minute": 49}
